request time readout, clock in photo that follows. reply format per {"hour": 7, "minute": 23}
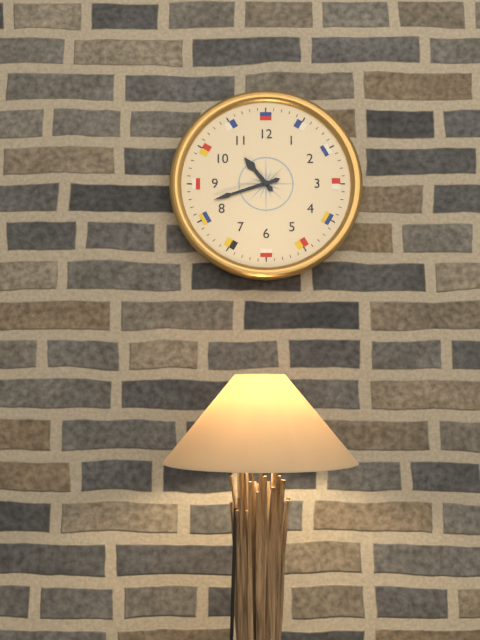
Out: {"hour": 10, "minute": 42}
